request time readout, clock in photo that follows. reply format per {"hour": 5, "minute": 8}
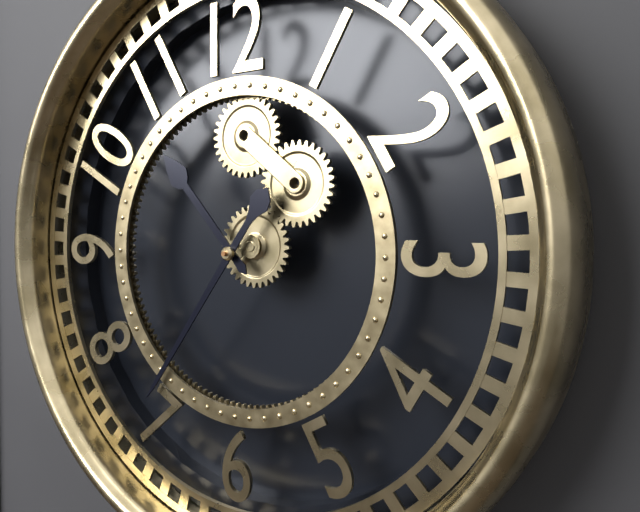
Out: {"hour": 10, "minute": 36}
